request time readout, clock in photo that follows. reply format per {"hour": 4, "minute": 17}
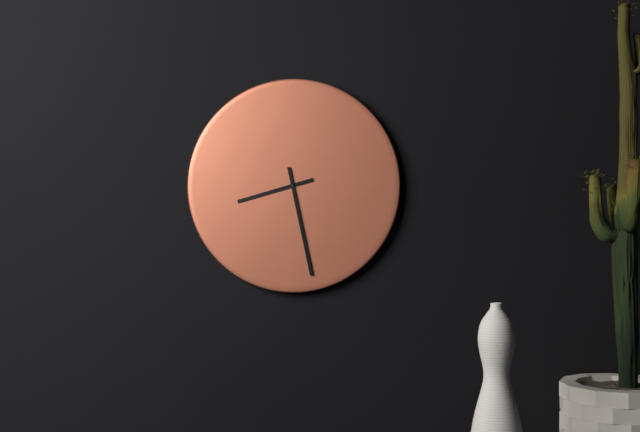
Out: {"hour": 8, "minute": 28}
